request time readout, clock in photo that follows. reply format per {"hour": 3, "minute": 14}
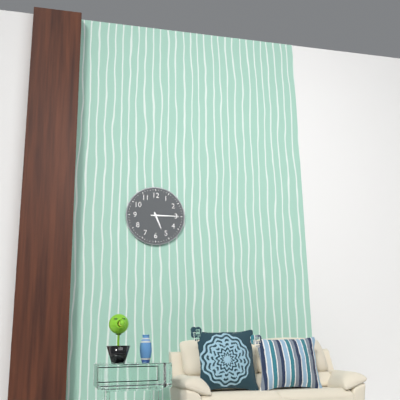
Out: {"hour": 5, "minute": 15}
